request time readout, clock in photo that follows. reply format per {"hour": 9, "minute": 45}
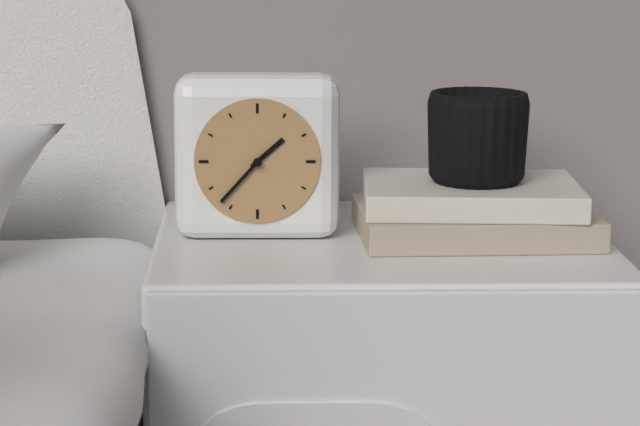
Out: {"hour": 1, "minute": 37}
